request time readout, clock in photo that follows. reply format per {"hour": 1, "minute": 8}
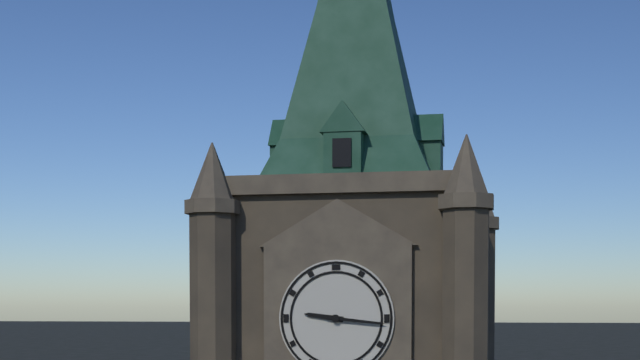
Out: {"hour": 9, "minute": 16}
